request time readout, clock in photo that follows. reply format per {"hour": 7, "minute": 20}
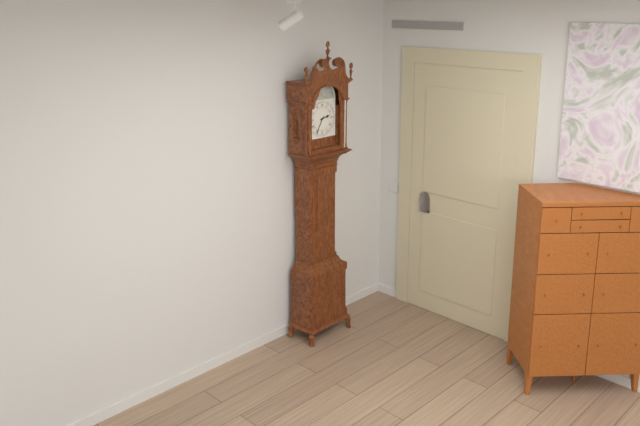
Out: {"hour": 2, "minute": 35}
